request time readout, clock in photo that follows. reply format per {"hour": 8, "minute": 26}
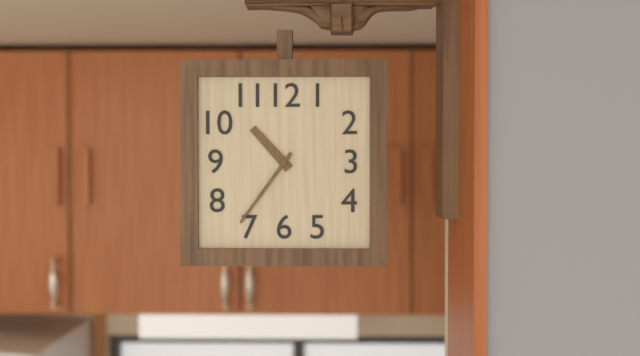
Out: {"hour": 10, "minute": 36}
